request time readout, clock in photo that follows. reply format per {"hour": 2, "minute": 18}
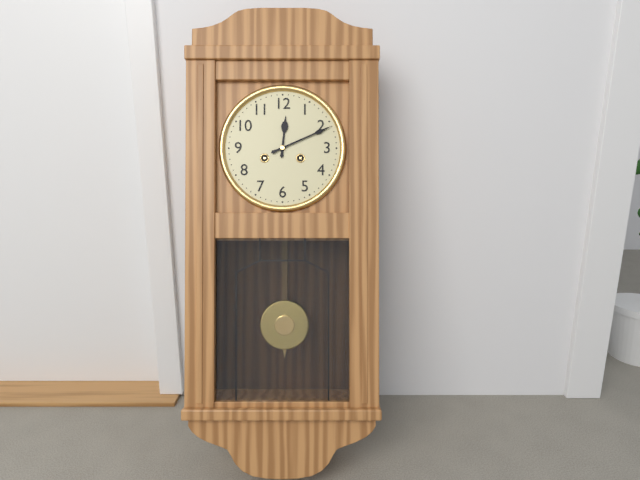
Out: {"hour": 12, "minute": 11}
